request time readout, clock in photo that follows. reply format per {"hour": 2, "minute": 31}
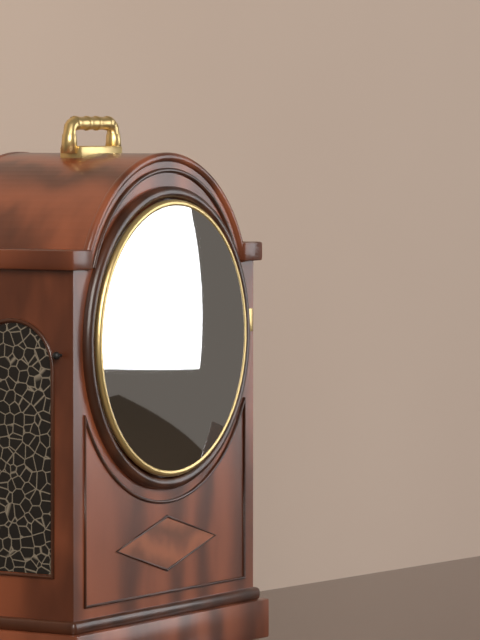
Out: {"hour": 1, "minute": 48}
